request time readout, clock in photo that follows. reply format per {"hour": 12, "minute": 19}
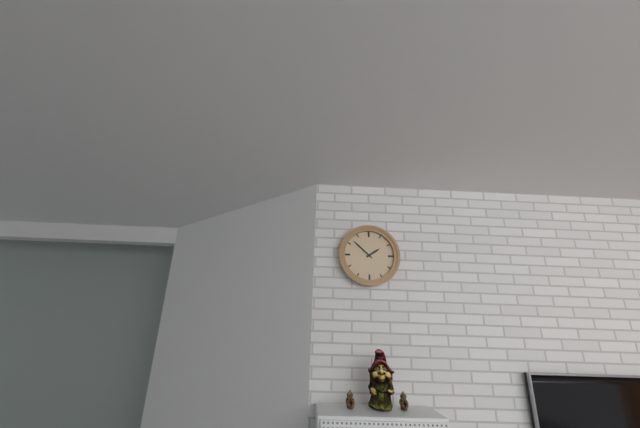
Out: {"hour": 1, "minute": 52}
